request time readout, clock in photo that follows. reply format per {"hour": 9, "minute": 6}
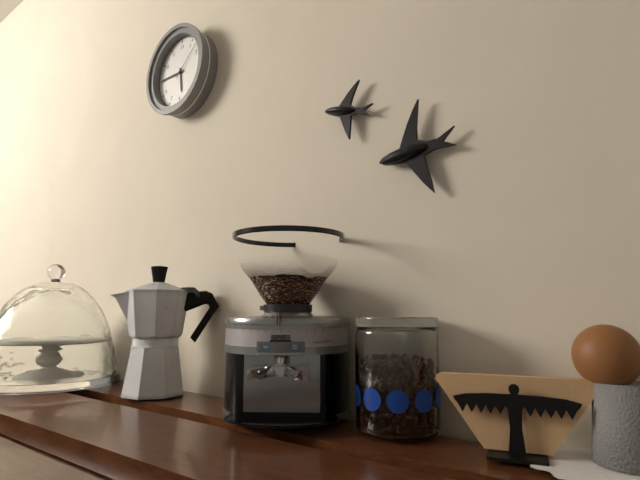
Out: {"hour": 5, "minute": 45}
